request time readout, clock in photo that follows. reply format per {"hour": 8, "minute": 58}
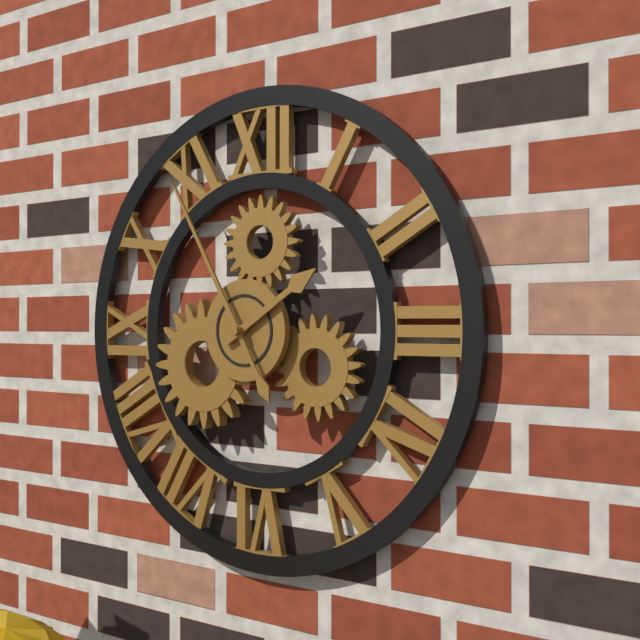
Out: {"hour": 1, "minute": 55}
